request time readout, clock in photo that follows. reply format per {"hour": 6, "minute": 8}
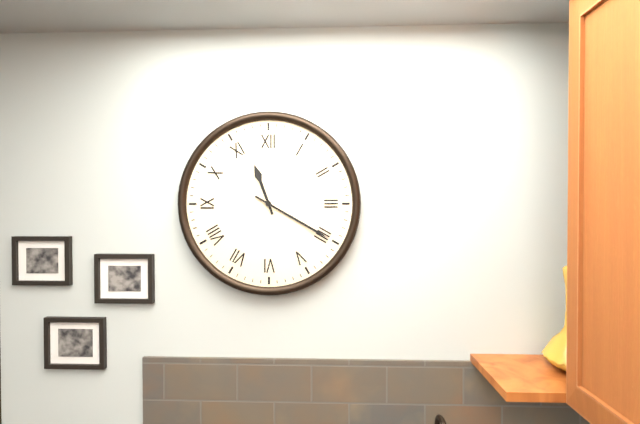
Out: {"hour": 11, "minute": 20}
